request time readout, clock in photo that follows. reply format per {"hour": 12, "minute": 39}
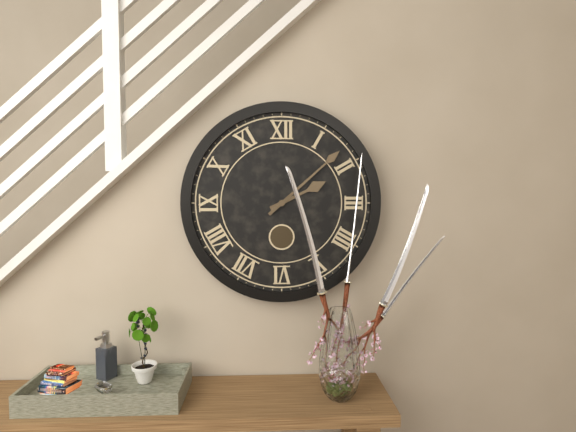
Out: {"hour": 2, "minute": 8}
